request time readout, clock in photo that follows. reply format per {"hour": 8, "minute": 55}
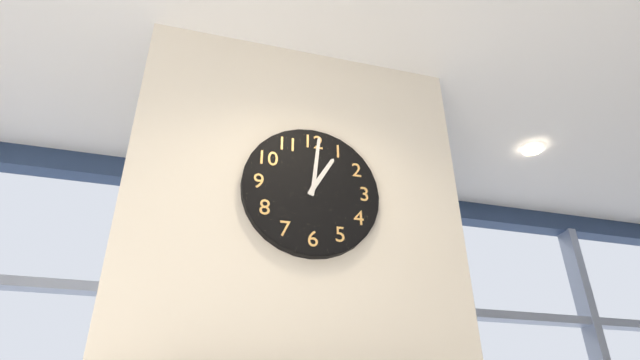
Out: {"hour": 1, "minute": 1}
